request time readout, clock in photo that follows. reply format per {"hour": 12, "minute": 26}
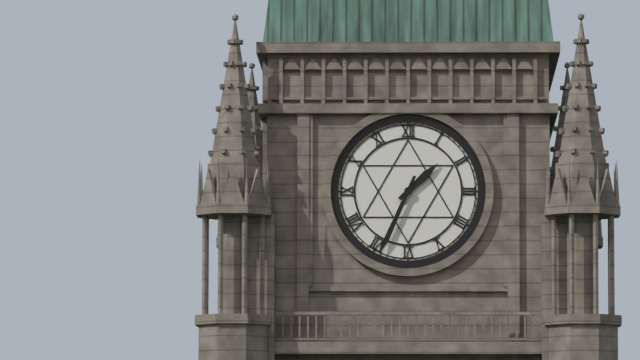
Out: {"hour": 1, "minute": 34}
